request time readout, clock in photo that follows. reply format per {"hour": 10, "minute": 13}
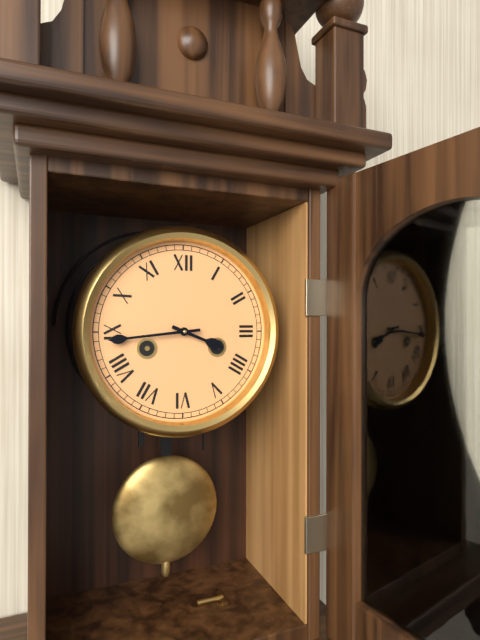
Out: {"hour": 3, "minute": 44}
